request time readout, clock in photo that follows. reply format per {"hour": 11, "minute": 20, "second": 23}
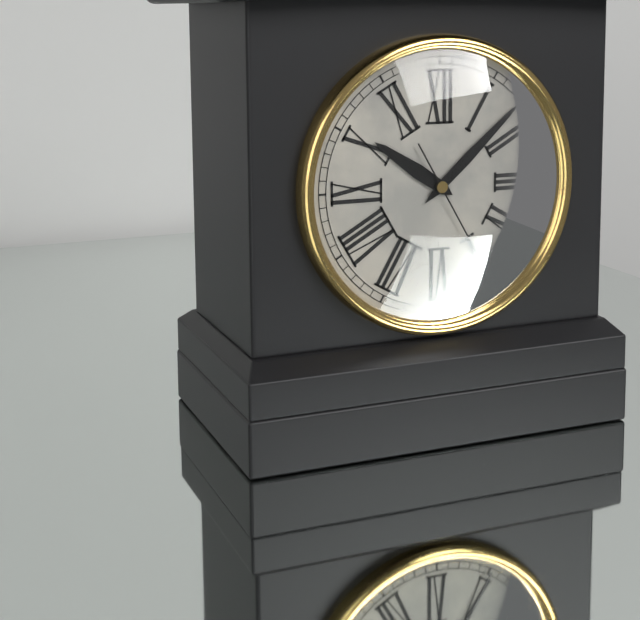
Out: {"hour": 10, "minute": 8, "second": 25}
